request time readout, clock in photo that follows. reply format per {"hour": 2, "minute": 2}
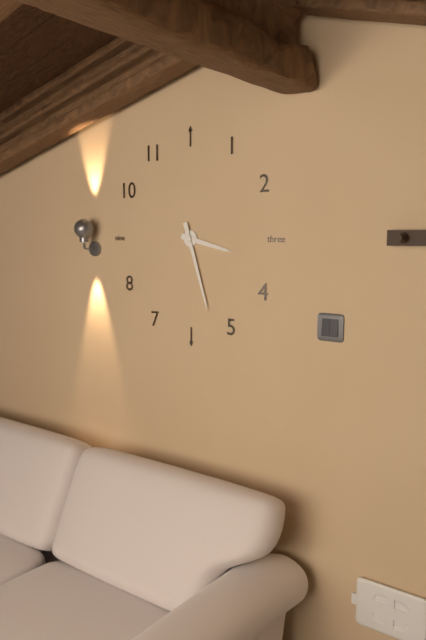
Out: {"hour": 3, "minute": 27}
